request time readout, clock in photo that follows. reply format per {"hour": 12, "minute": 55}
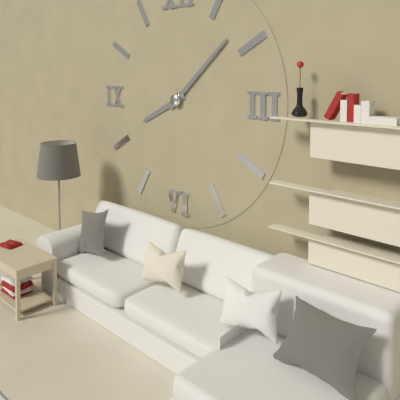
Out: {"hour": 8, "minute": 8}
